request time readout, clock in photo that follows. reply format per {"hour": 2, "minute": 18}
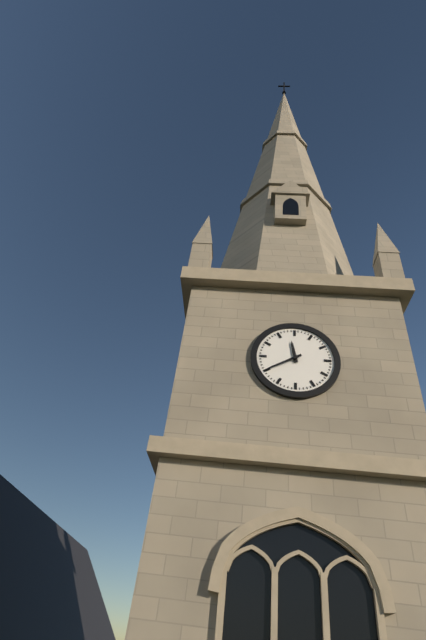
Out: {"hour": 11, "minute": 40}
